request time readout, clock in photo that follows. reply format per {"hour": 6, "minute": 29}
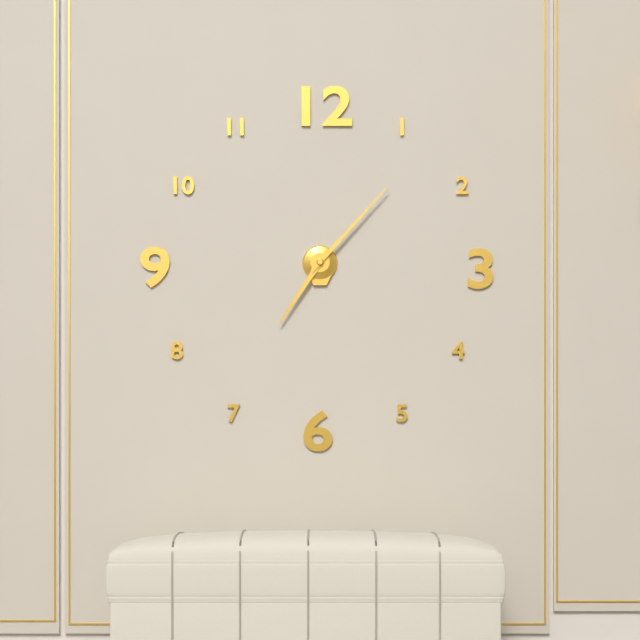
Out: {"hour": 7, "minute": 7}
